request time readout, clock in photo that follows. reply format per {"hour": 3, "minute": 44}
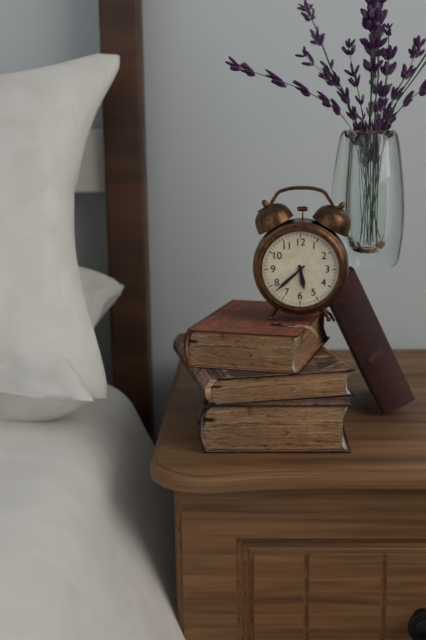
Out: {"hour": 5, "minute": 38}
